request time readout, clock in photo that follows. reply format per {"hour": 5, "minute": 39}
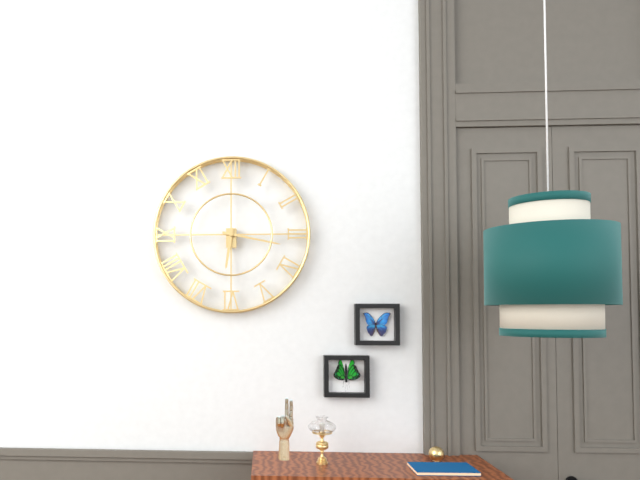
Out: {"hour": 6, "minute": 17}
